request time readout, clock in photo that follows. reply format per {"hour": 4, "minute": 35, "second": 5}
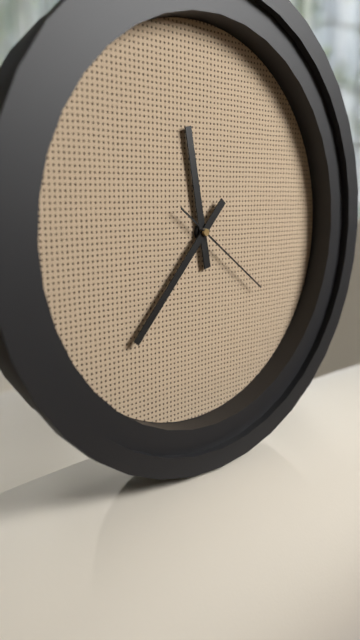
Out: {"hour": 11, "minute": 37, "second": 21}
